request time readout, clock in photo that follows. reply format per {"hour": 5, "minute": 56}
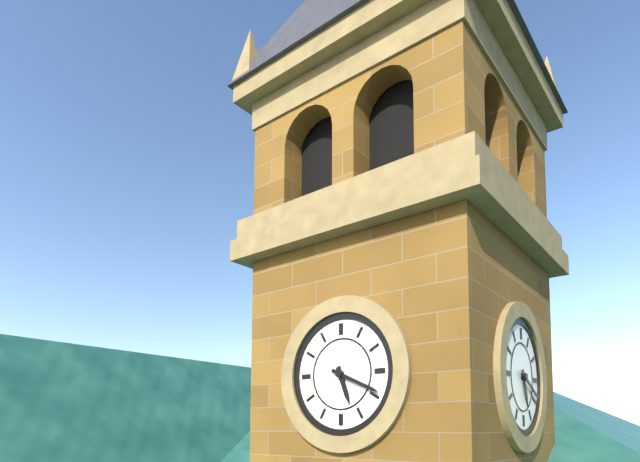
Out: {"hour": 5, "minute": 19}
